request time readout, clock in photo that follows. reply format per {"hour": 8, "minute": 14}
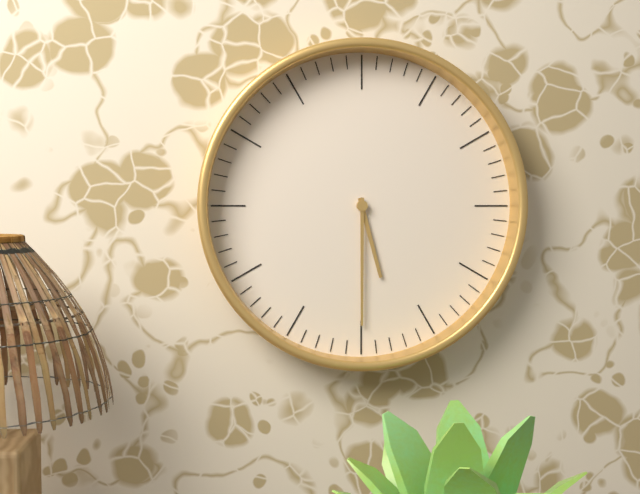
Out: {"hour": 5, "minute": 30}
